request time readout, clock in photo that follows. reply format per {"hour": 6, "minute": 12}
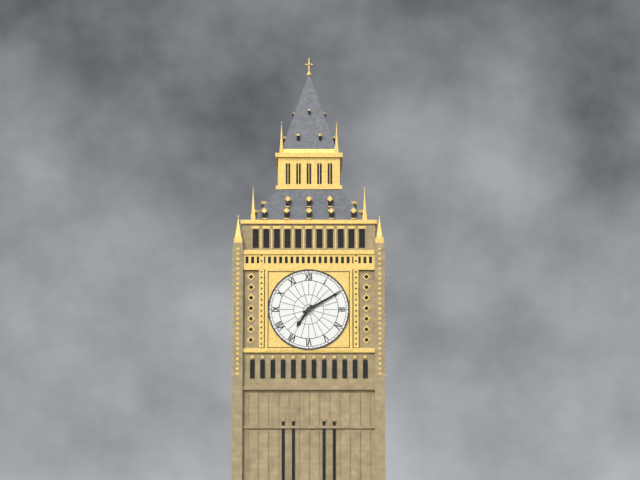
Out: {"hour": 7, "minute": 10}
